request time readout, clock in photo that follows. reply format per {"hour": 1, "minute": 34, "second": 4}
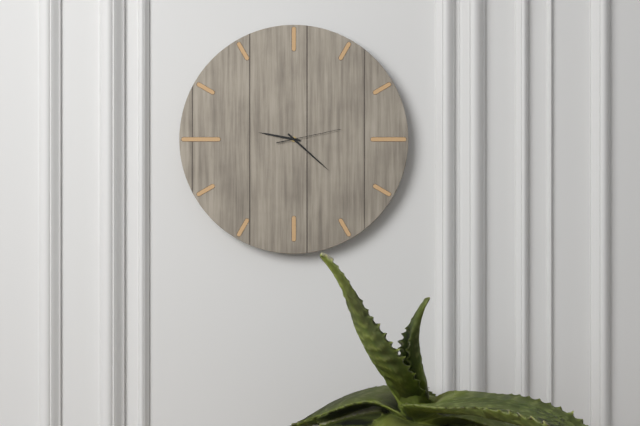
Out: {"hour": 9, "minute": 22, "second": 13}
